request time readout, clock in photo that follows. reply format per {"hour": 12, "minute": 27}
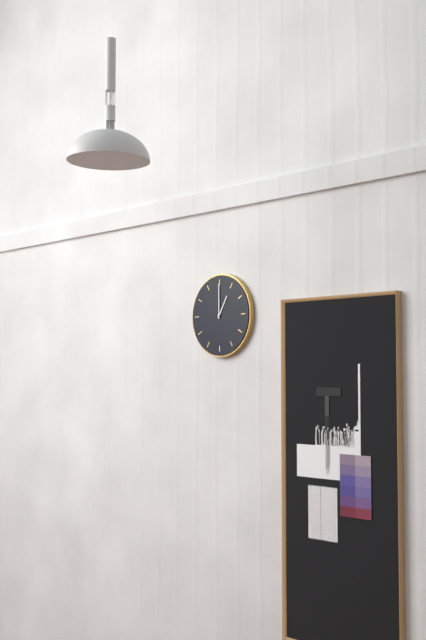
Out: {"hour": 1, "minute": 0}
